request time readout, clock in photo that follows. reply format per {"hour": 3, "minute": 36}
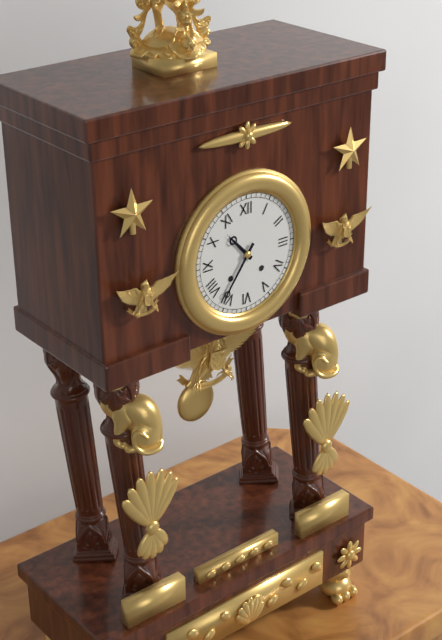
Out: {"hour": 10, "minute": 36}
